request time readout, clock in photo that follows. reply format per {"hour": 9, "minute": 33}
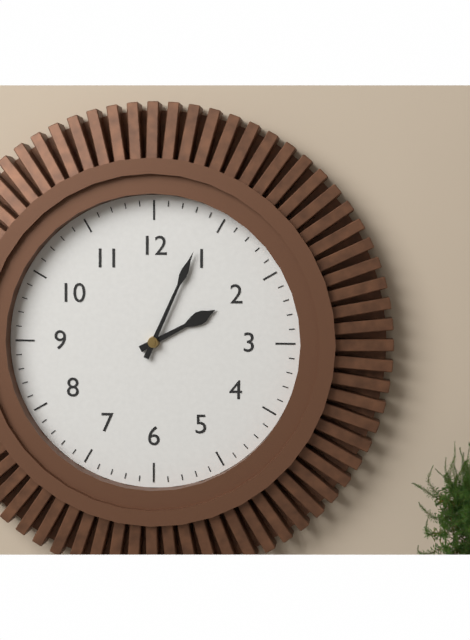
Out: {"hour": 2, "minute": 4}
